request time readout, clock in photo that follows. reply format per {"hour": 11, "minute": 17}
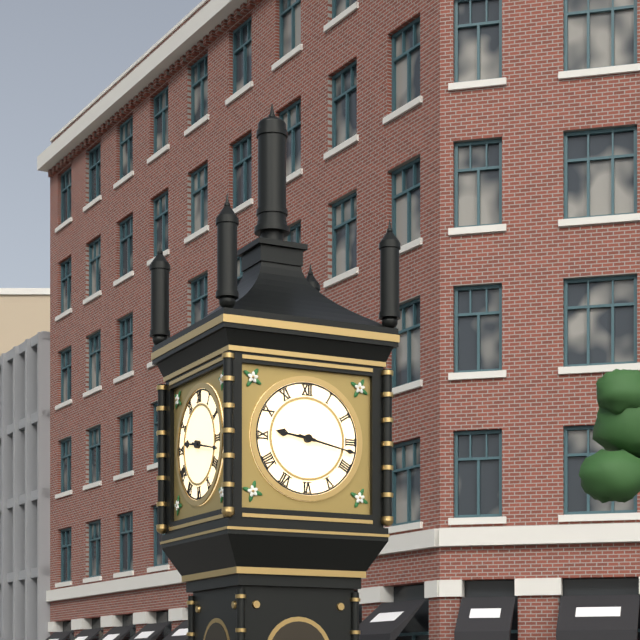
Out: {"hour": 9, "minute": 17}
